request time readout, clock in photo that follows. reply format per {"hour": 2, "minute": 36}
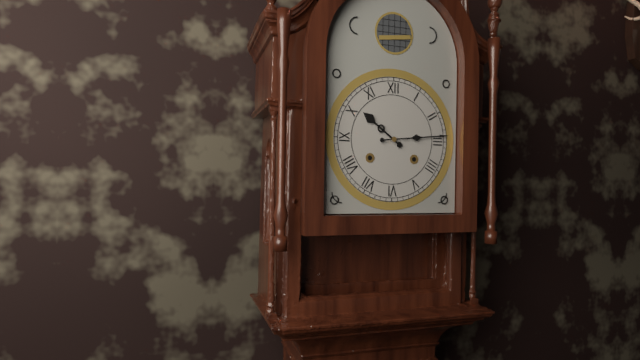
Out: {"hour": 10, "minute": 14}
